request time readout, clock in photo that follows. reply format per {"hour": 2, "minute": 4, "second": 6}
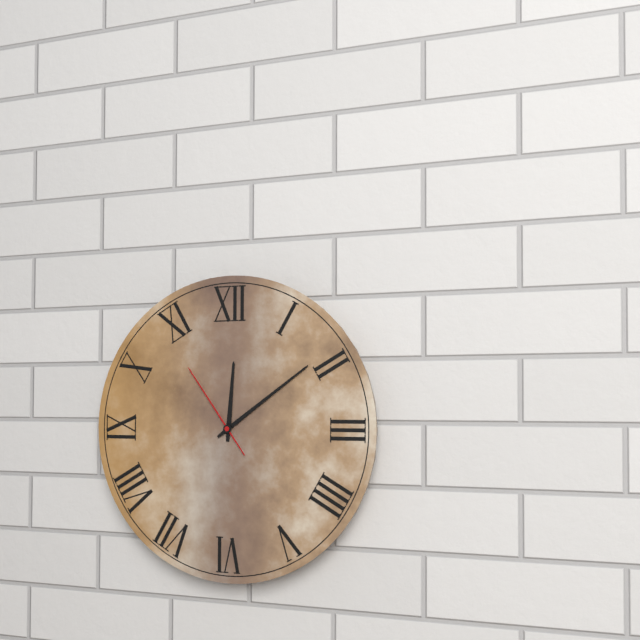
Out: {"hour": 12, "minute": 9, "second": 54}
